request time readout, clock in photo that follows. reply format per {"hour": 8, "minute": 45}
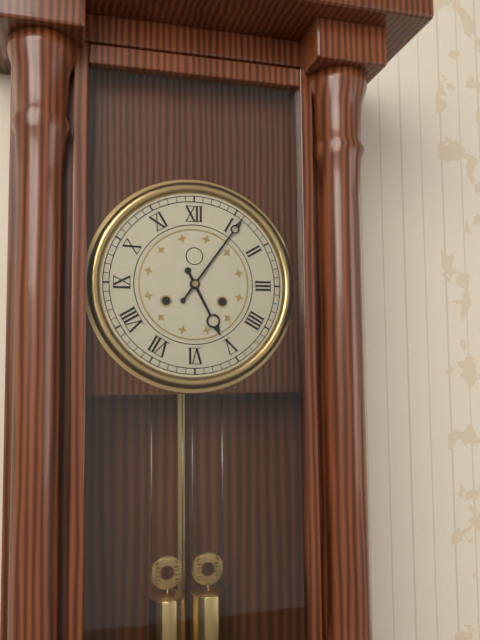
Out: {"hour": 5, "minute": 6}
